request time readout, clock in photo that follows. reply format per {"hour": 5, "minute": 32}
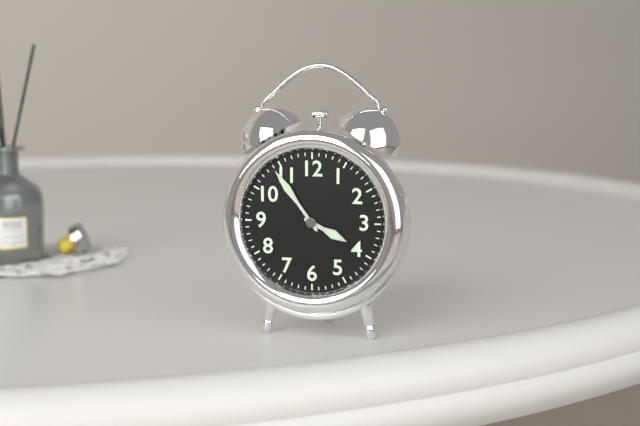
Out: {"hour": 3, "minute": 54}
